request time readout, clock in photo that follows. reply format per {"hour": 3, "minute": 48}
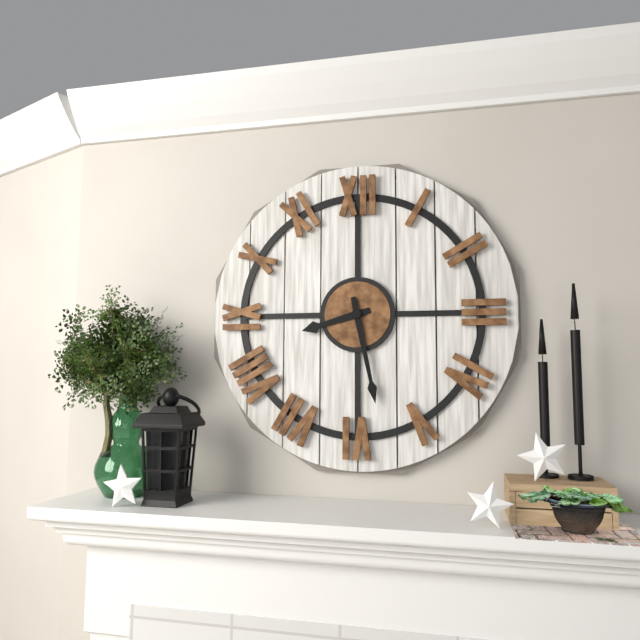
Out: {"hour": 8, "minute": 28}
